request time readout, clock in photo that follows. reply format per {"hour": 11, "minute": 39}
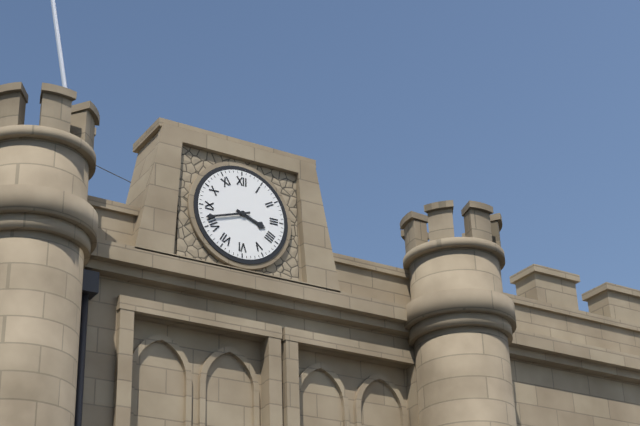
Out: {"hour": 3, "minute": 42}
